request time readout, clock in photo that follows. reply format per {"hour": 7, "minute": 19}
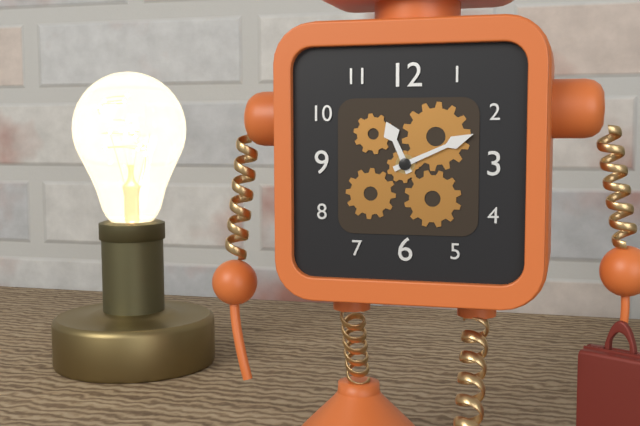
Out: {"hour": 11, "minute": 11}
